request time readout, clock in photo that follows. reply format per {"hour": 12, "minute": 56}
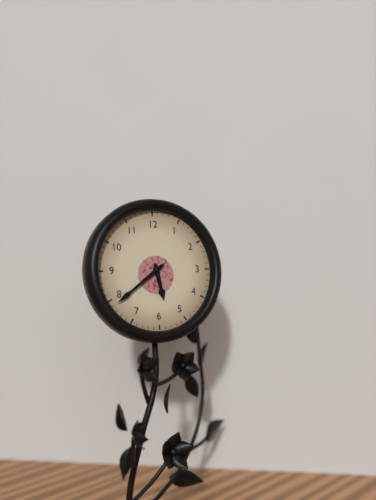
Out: {"hour": 5, "minute": 39}
